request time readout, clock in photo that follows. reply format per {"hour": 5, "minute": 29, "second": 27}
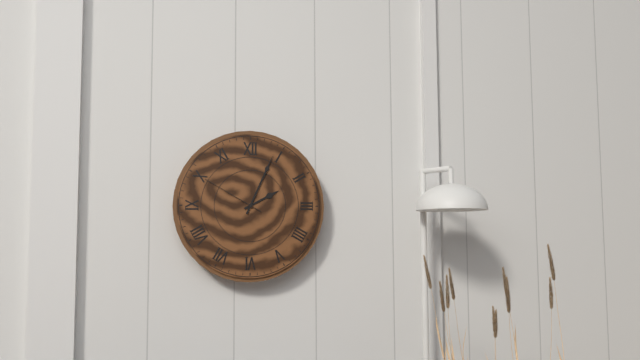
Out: {"hour": 2, "minute": 4, "second": 50}
